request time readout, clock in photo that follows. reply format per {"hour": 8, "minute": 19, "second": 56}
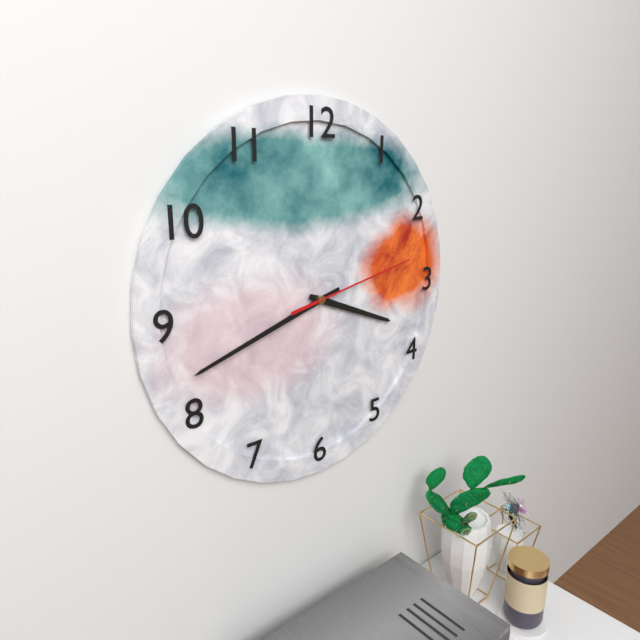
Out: {"hour": 3, "minute": 42, "second": 13}
